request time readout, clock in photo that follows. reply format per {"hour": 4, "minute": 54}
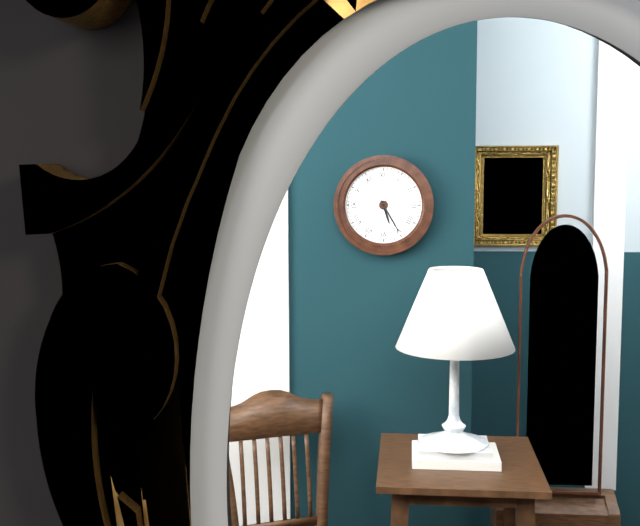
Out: {"hour": 5, "minute": 25}
